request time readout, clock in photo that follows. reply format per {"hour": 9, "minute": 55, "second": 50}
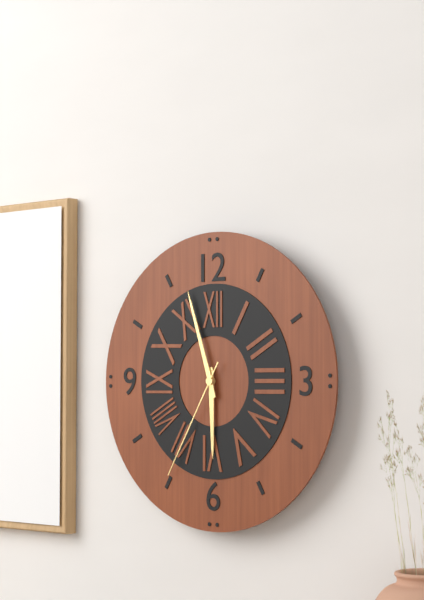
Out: {"hour": 5, "minute": 57, "second": 35}
